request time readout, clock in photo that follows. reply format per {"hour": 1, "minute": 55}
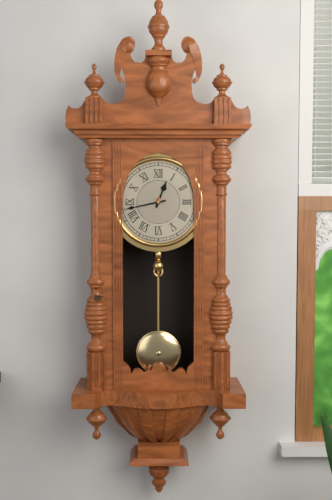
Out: {"hour": 12, "minute": 43}
